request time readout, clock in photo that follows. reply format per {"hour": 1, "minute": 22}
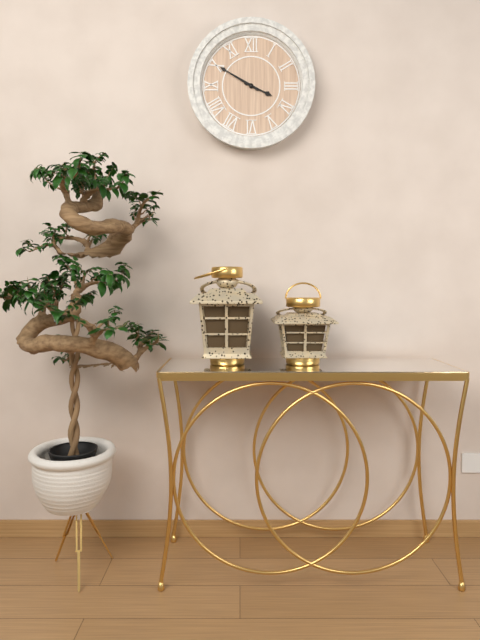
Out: {"hour": 3, "minute": 50}
